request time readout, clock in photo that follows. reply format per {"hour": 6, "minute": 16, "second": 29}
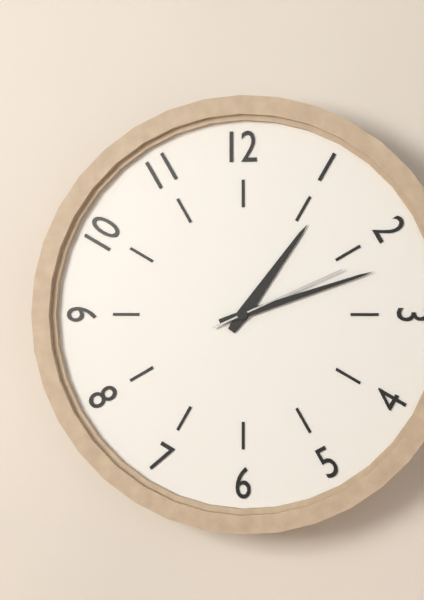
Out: {"hour": 1, "minute": 12, "second": 11}
